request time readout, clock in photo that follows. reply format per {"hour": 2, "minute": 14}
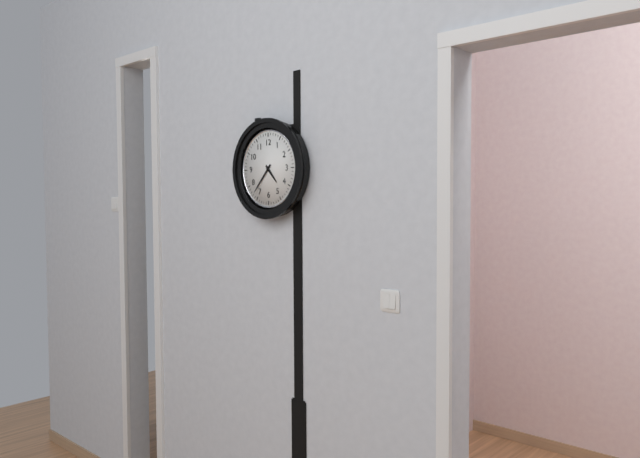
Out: {"hour": 4, "minute": 37}
